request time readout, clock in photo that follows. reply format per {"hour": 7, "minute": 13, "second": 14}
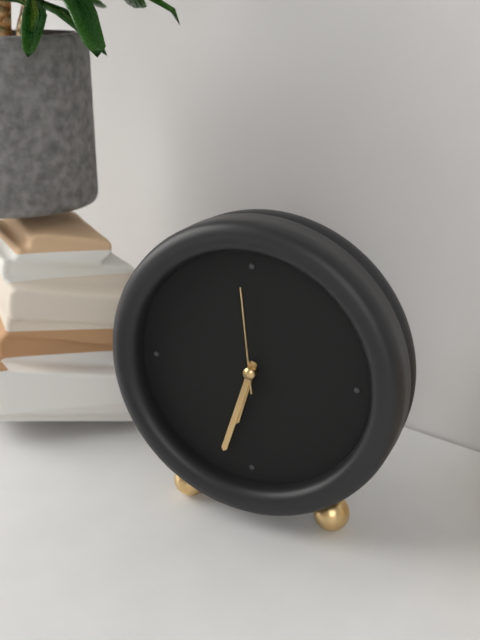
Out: {"hour": 6, "minute": 33, "second": 59}
